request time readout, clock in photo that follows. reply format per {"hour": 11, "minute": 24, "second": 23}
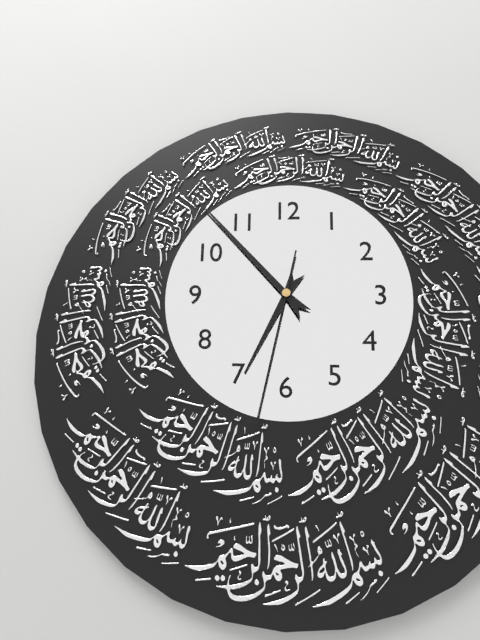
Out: {"hour": 6, "minute": 53, "second": 32}
